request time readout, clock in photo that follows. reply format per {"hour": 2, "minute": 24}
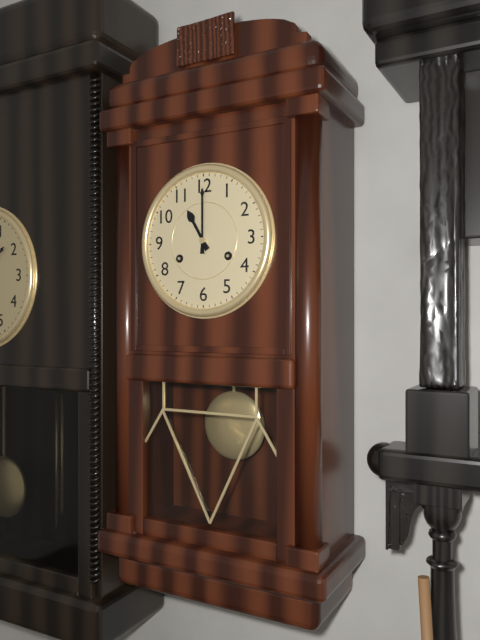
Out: {"hour": 11, "minute": 0}
